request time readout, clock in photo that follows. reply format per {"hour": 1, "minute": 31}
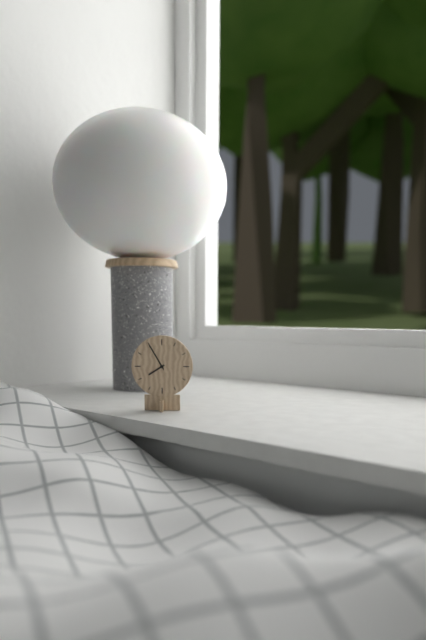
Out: {"hour": 7, "minute": 55}
